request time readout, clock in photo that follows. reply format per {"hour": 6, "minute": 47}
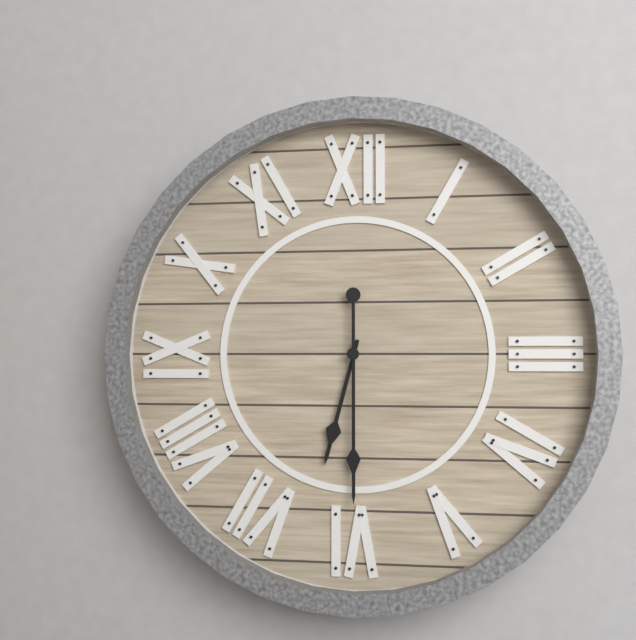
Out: {"hour": 6, "minute": 30}
